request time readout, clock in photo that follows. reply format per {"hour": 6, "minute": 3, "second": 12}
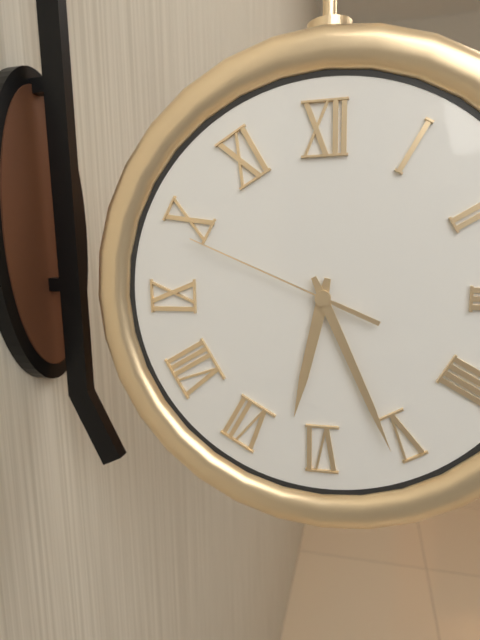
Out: {"hour": 6, "minute": 26, "second": 49}
